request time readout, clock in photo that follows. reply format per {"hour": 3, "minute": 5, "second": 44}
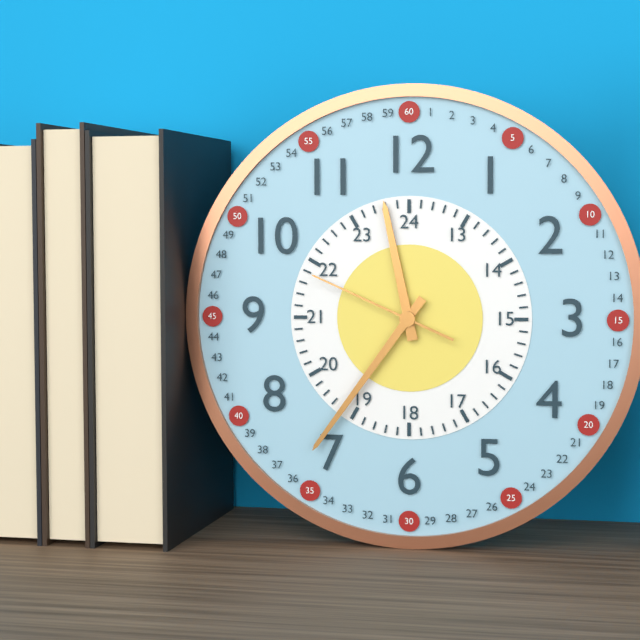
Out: {"hour": 11, "minute": 36, "second": 49}
